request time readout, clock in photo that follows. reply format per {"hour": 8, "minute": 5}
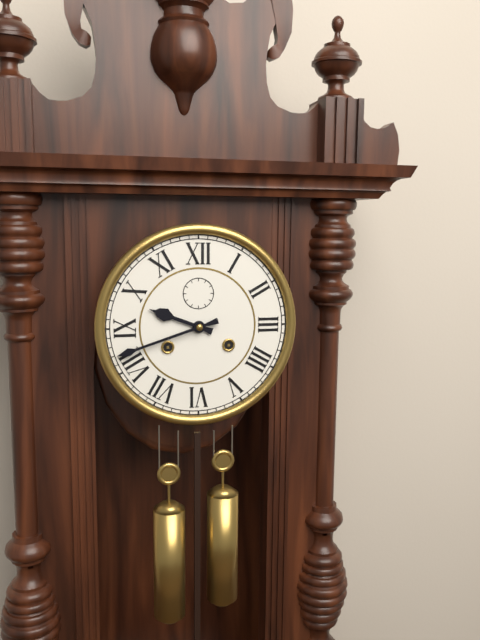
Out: {"hour": 9, "minute": 42}
